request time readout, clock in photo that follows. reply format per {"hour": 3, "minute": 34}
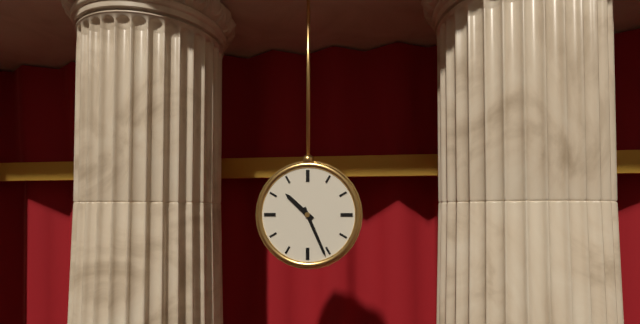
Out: {"hour": 10, "minute": 26}
